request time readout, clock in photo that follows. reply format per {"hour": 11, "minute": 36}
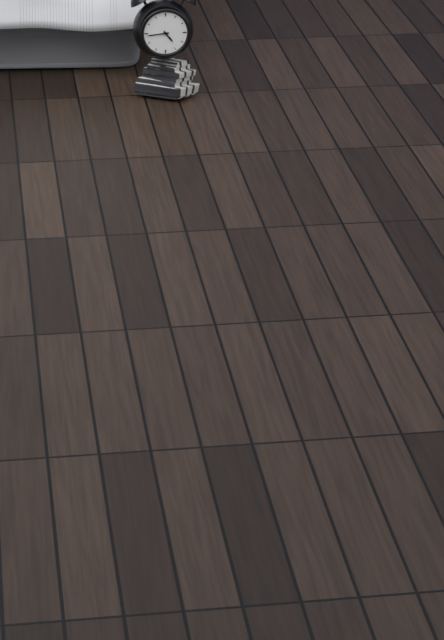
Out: {"hour": 4, "minute": 44}
